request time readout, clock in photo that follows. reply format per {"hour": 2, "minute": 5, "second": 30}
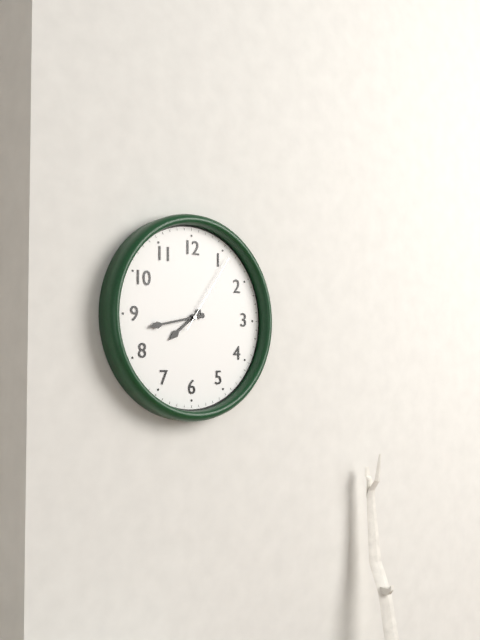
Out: {"hour": 7, "minute": 43, "second": 6}
